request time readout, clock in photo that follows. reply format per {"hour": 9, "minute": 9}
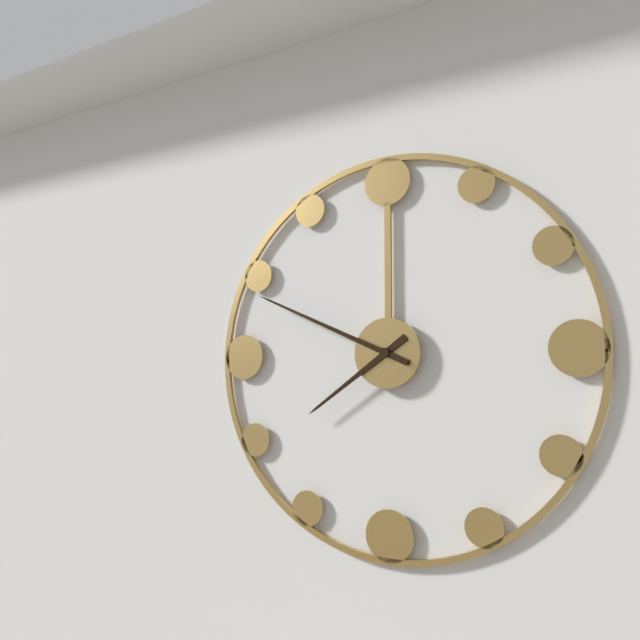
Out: {"hour": 7, "minute": 49}
